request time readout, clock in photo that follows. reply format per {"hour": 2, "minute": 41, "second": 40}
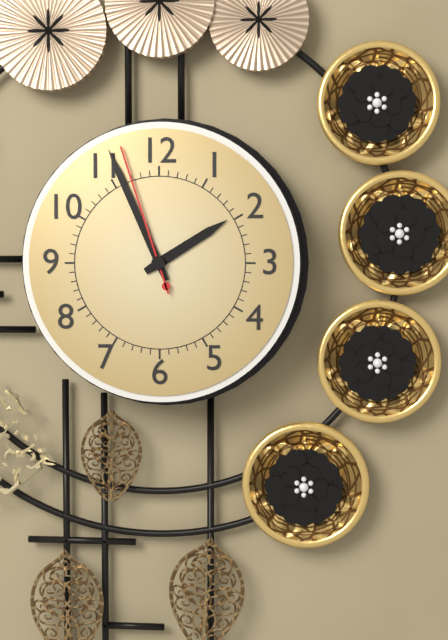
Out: {"hour": 1, "minute": 56, "second": 57}
